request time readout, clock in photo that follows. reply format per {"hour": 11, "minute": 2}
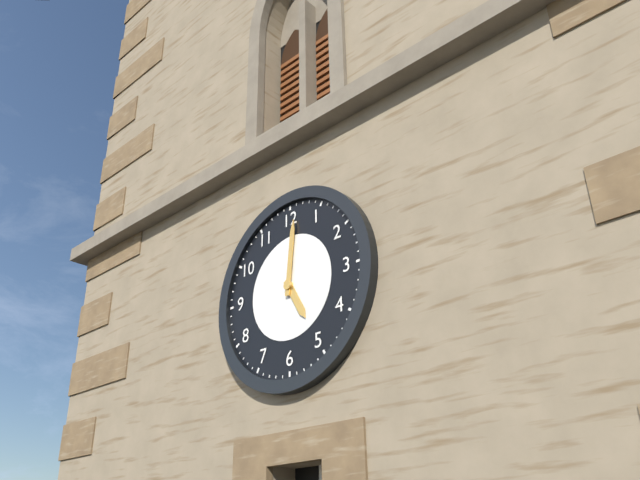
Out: {"hour": 5, "minute": 1}
